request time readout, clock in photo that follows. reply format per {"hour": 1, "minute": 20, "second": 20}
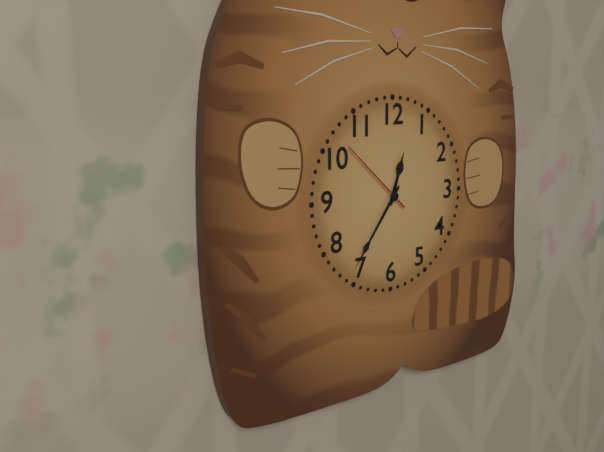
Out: {"hour": 12, "minute": 36, "second": 52}
